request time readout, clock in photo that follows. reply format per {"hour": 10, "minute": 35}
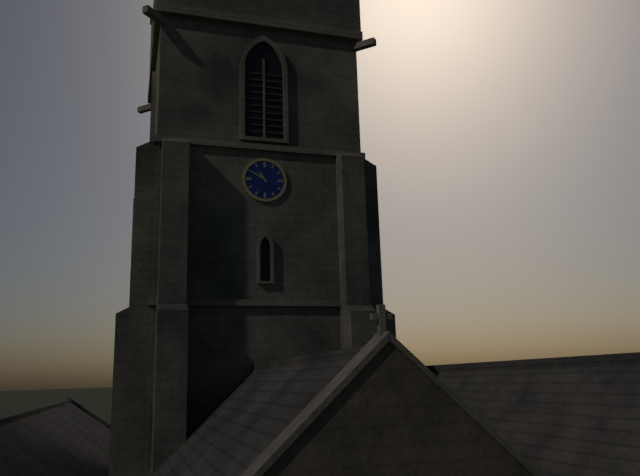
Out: {"hour": 10, "minute": 50}
